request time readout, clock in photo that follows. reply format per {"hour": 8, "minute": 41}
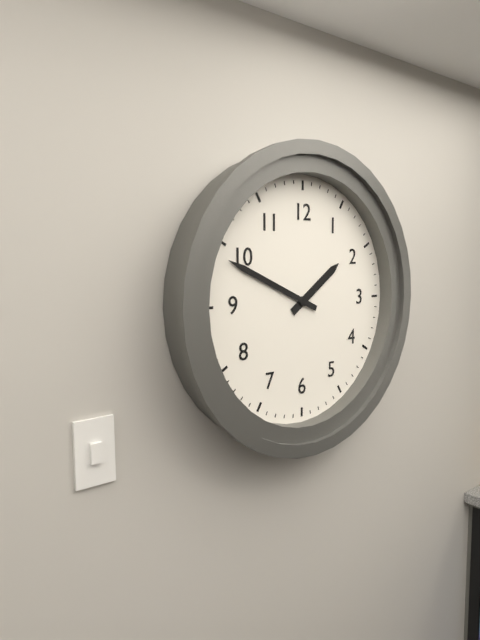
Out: {"hour": 1, "minute": 49}
